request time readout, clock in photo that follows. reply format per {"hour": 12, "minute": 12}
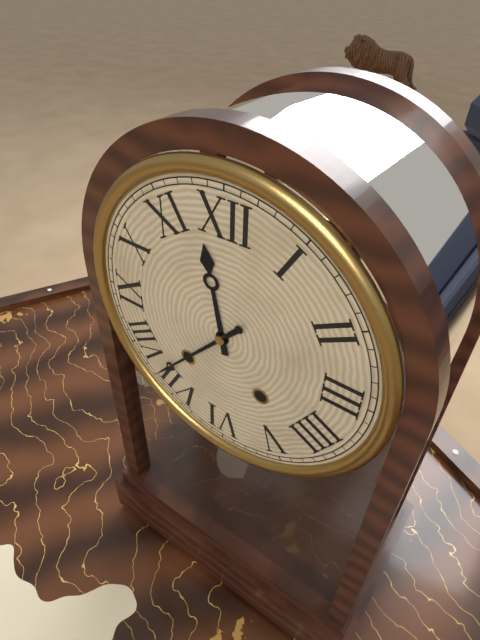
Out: {"hour": 11, "minute": 37}
